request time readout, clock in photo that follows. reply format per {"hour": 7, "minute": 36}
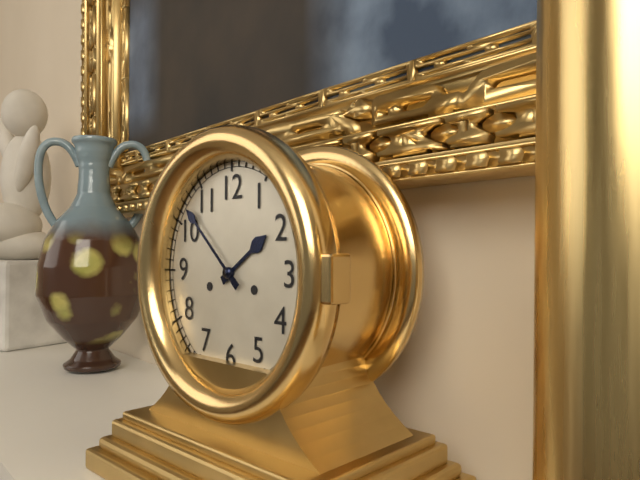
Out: {"hour": 1, "minute": 52}
